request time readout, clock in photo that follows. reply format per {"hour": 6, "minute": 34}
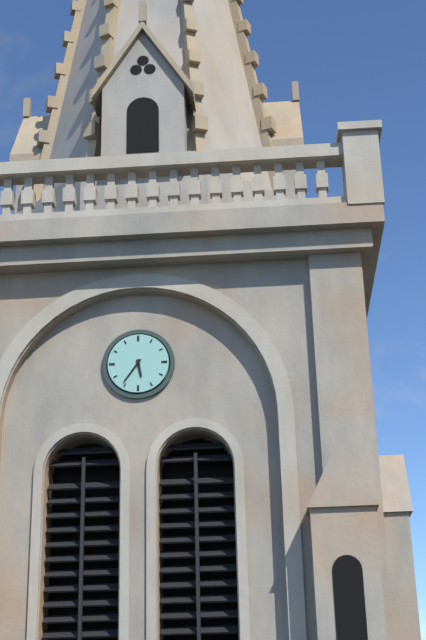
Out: {"hour": 5, "minute": 36}
